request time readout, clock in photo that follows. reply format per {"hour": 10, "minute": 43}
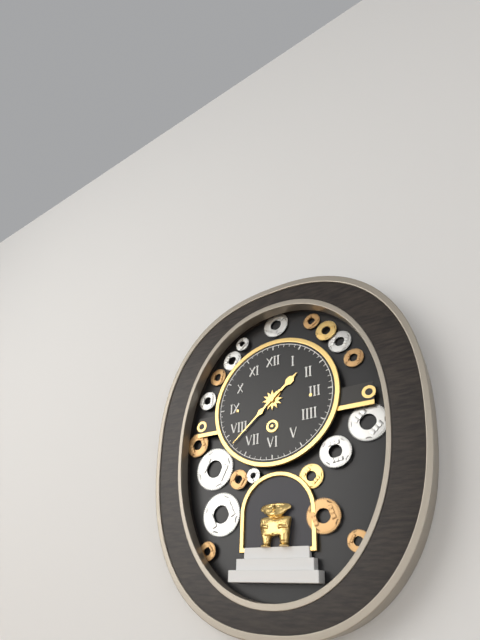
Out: {"hour": 1, "minute": 38}
